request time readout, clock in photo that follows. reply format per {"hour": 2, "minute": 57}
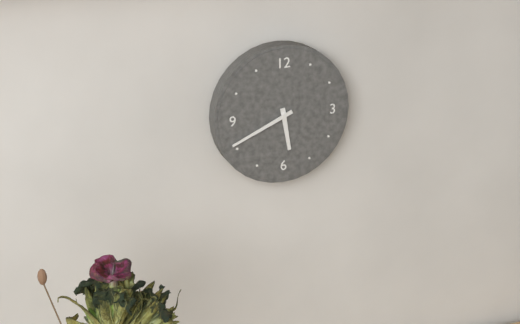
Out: {"hour": 5, "minute": 41}
